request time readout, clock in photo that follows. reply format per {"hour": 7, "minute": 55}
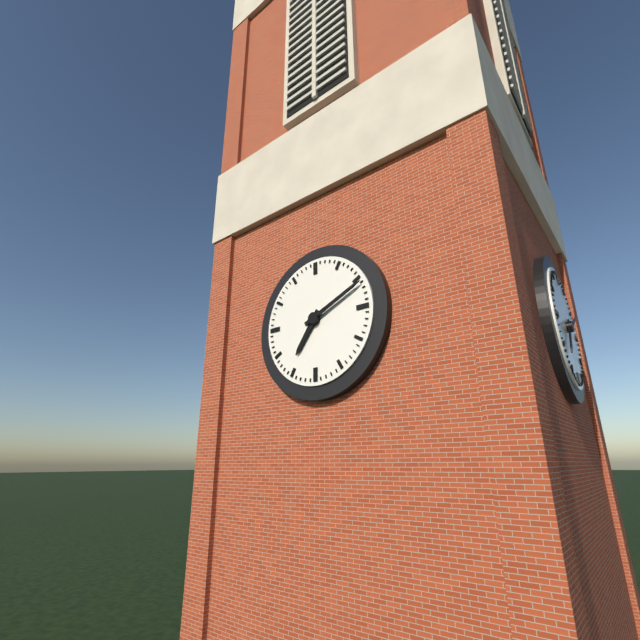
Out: {"hour": 7, "minute": 11}
